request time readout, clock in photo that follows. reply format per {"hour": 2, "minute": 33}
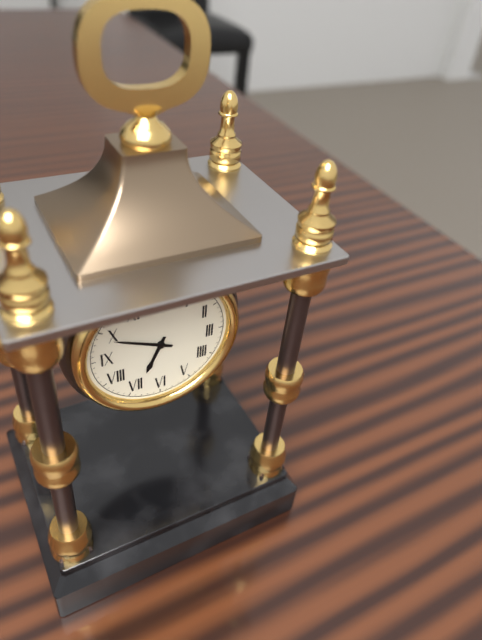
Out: {"hour": 6, "minute": 49}
